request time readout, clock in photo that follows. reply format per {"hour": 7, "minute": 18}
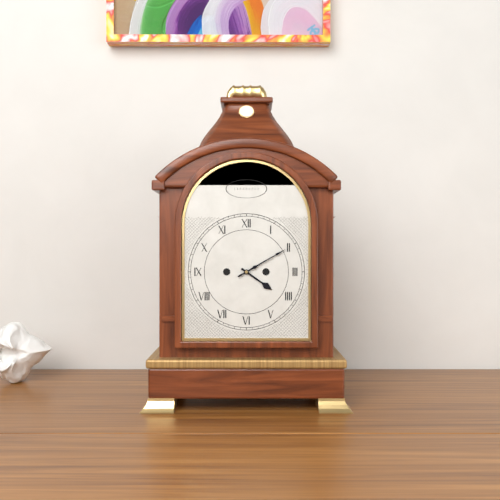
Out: {"hour": 4, "minute": 10}
